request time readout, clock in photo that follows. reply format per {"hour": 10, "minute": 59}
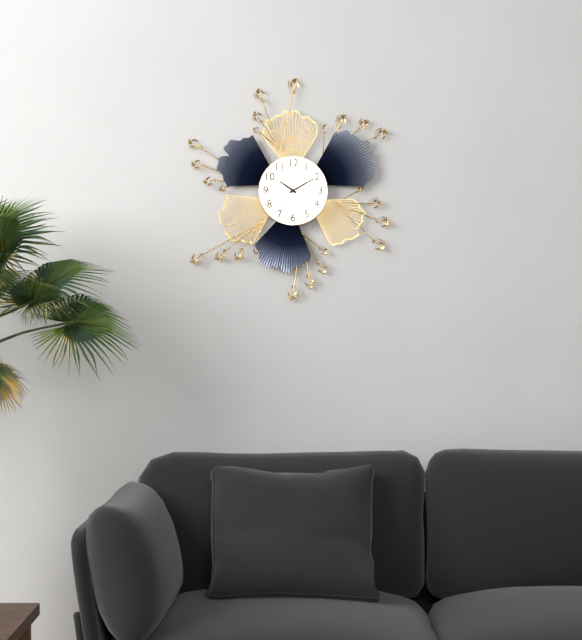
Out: {"hour": 10, "minute": 10}
